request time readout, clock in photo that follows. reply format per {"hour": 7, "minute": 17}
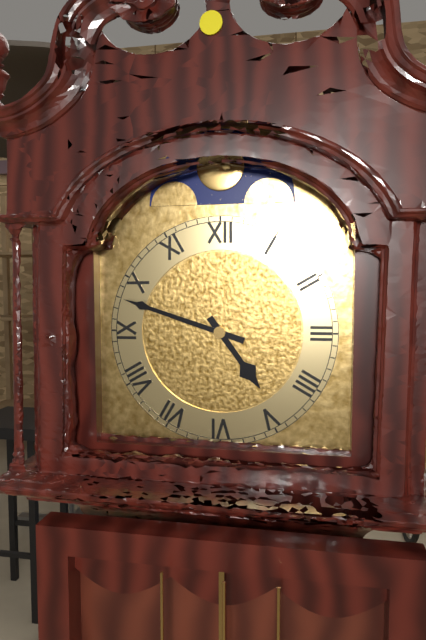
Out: {"hour": 4, "minute": 48}
